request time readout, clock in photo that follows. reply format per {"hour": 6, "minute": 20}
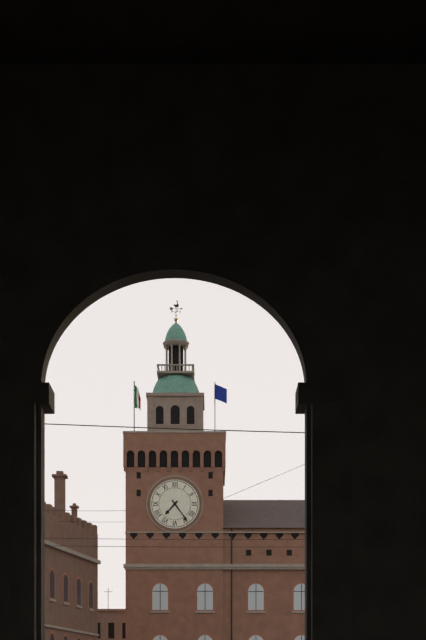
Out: {"hour": 7, "minute": 24}
